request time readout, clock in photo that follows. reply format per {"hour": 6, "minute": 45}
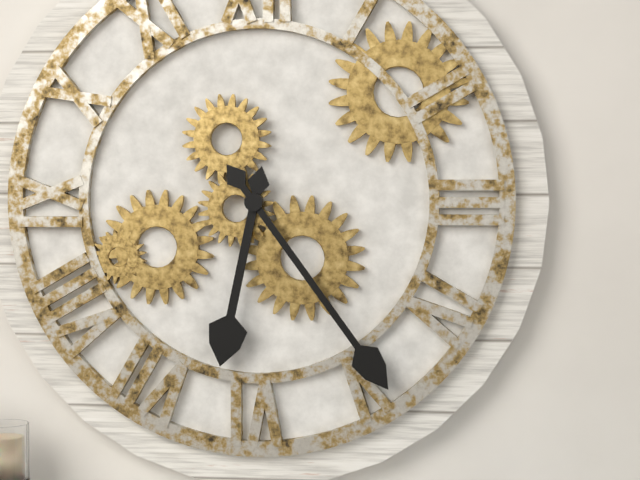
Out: {"hour": 6, "minute": 24}
